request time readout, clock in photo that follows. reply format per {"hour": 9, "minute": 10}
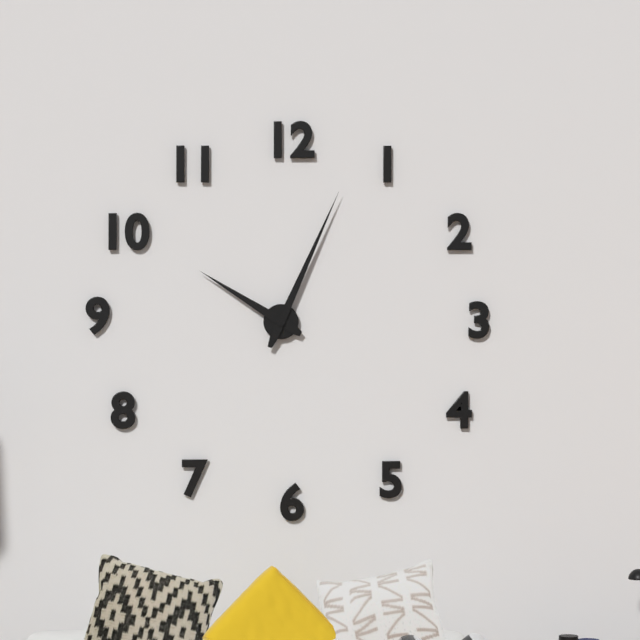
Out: {"hour": 10, "minute": 4}
